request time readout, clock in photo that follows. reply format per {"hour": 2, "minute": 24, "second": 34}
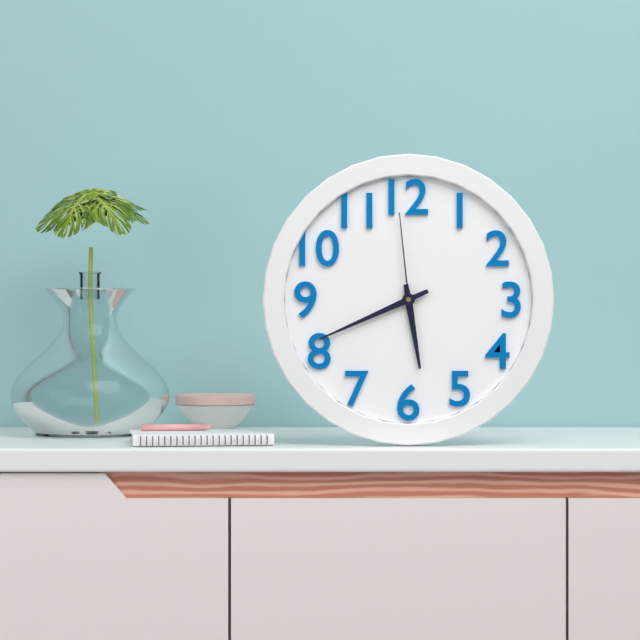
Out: {"hour": 5, "minute": 41, "second": 59}
